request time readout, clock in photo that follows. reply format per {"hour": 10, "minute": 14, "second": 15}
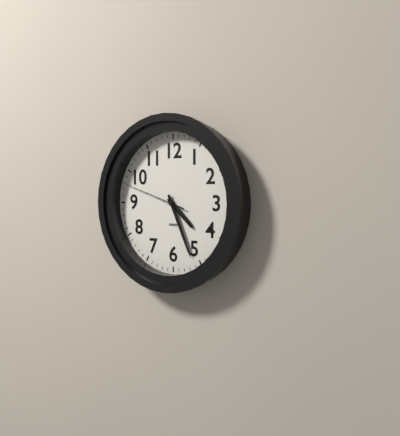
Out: {"hour": 4, "minute": 26, "second": 48}
